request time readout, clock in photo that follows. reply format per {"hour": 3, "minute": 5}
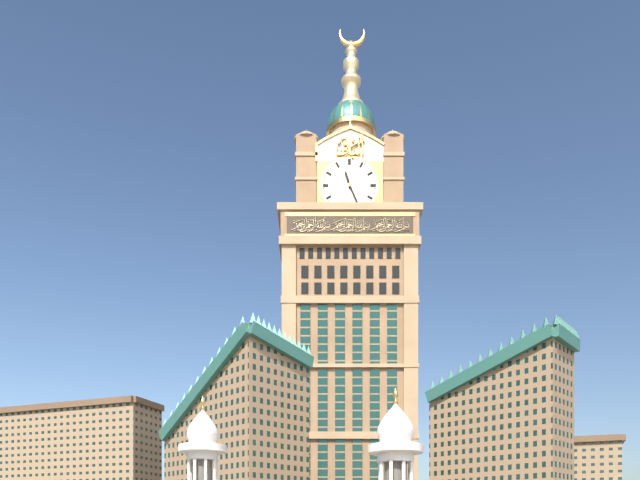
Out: {"hour": 11, "minute": 26}
